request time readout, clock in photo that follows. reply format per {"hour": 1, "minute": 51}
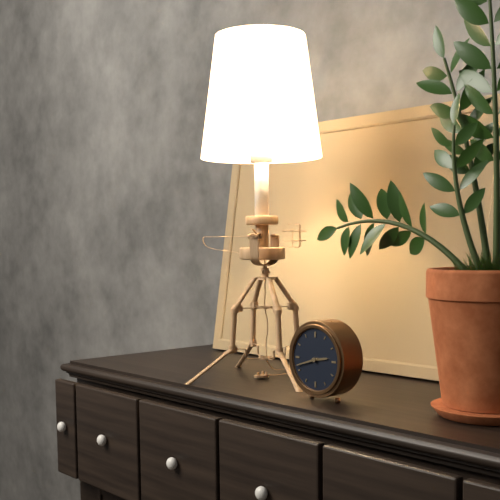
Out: {"hour": 2, "minute": 42}
